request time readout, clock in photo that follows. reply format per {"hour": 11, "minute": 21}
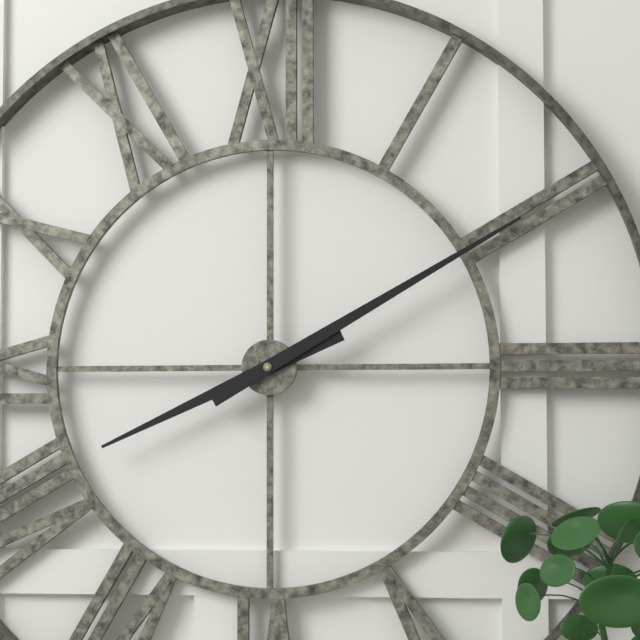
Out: {"hour": 8, "minute": 10}
